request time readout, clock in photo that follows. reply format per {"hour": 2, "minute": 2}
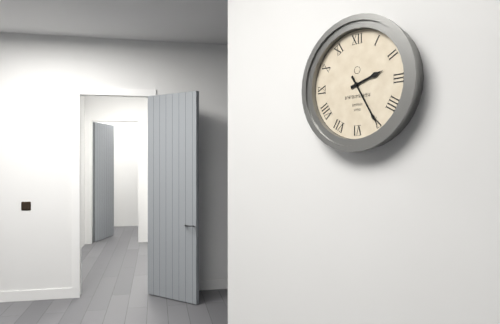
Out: {"hour": 2, "minute": 25}
